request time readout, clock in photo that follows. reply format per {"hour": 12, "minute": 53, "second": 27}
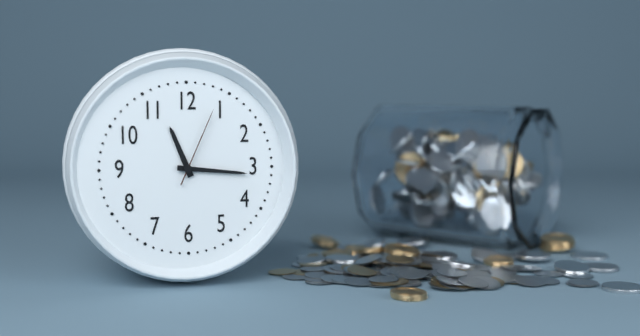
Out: {"hour": 11, "minute": 16, "second": 4}
